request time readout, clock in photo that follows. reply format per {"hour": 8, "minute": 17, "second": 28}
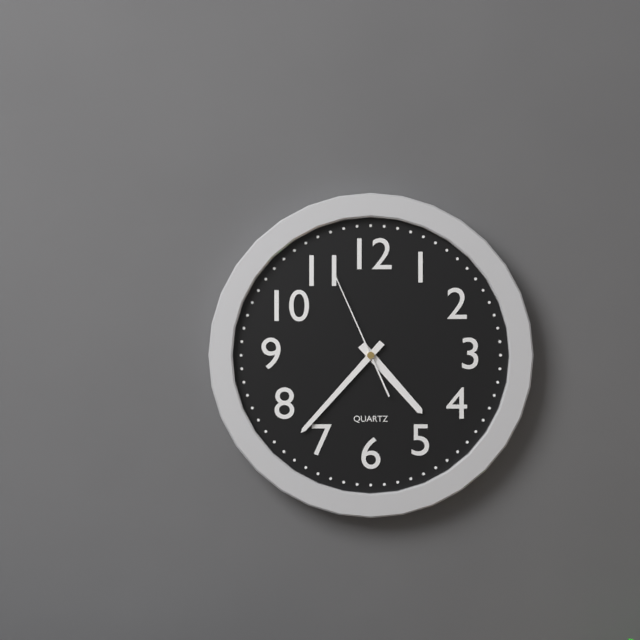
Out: {"hour": 4, "minute": 37, "second": 56}
